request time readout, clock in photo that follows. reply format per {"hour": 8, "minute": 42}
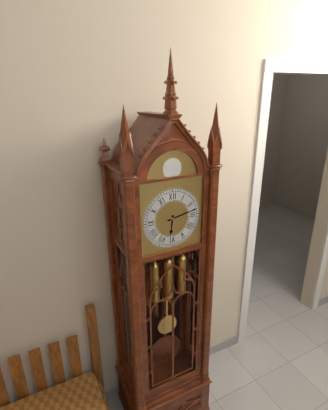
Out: {"hour": 6, "minute": 13}
